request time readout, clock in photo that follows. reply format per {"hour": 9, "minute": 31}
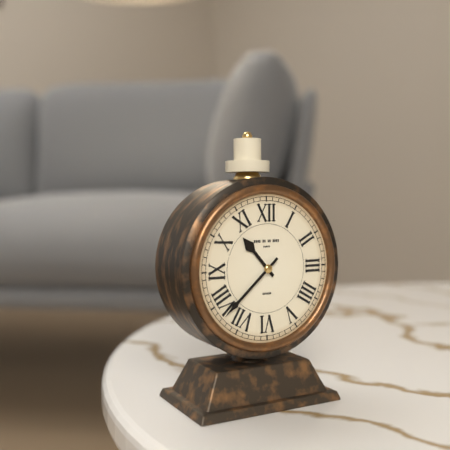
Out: {"hour": 10, "minute": 38}
